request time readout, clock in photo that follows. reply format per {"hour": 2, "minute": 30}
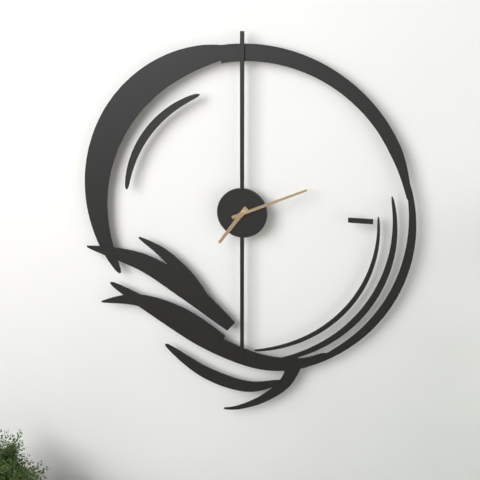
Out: {"hour": 7, "minute": 11}
